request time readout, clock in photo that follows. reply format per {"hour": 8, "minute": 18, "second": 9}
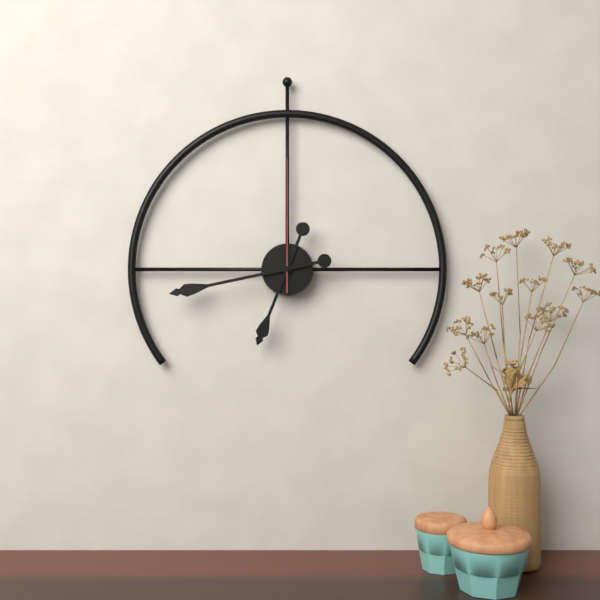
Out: {"hour": 6, "minute": 43, "second": 0}
